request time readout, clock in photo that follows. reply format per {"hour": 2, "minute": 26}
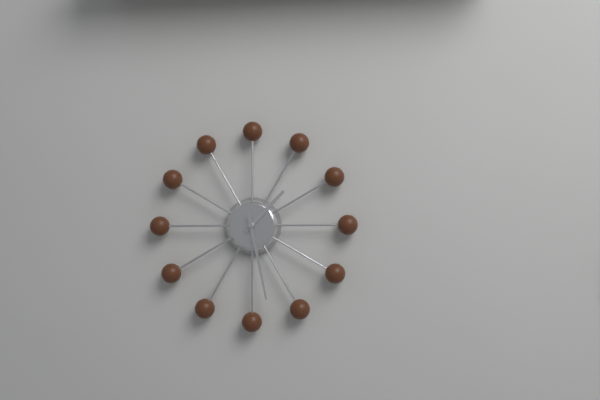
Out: {"hour": 1, "minute": 28}
